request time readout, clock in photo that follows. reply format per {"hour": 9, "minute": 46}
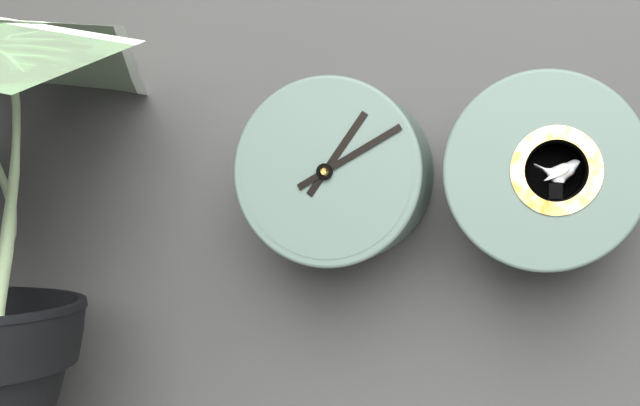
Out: {"hour": 1, "minute": 10}
